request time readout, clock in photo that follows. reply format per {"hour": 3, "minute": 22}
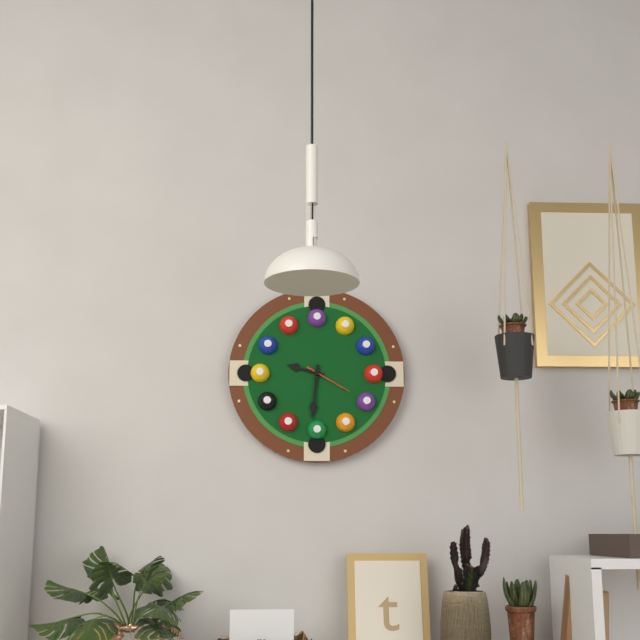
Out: {"hour": 9, "minute": 31}
